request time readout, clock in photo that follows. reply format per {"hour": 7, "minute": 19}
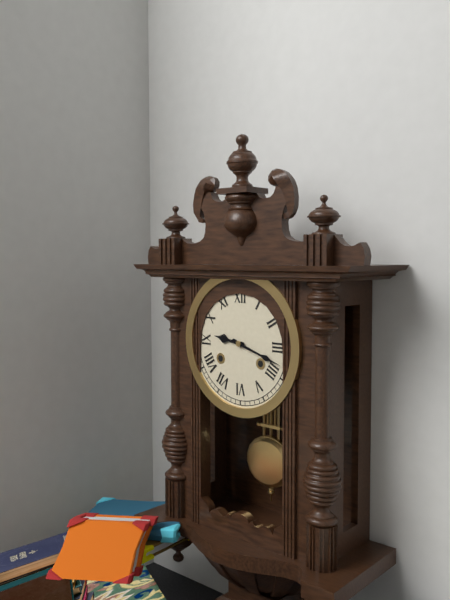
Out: {"hour": 9, "minute": 18}
